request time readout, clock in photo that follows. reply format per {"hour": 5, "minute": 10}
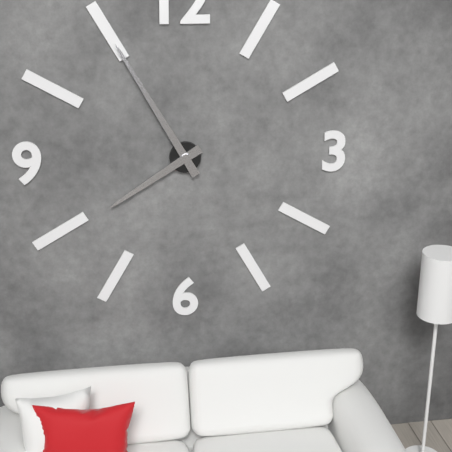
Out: {"hour": 7, "minute": 55}
